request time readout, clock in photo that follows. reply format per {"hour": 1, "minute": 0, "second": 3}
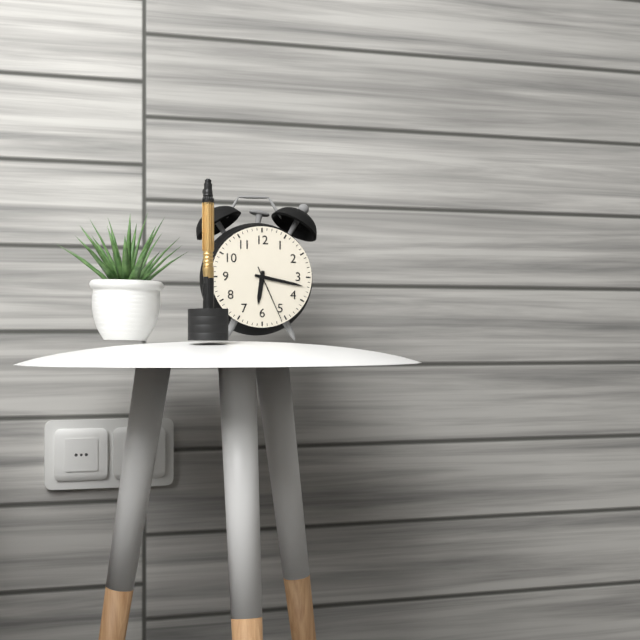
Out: {"hour": 6, "minute": 17, "second": 26}
